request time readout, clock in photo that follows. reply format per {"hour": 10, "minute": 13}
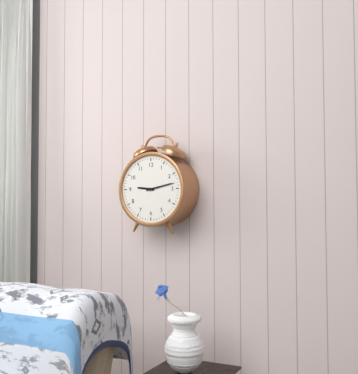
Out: {"hour": 9, "minute": 13}
